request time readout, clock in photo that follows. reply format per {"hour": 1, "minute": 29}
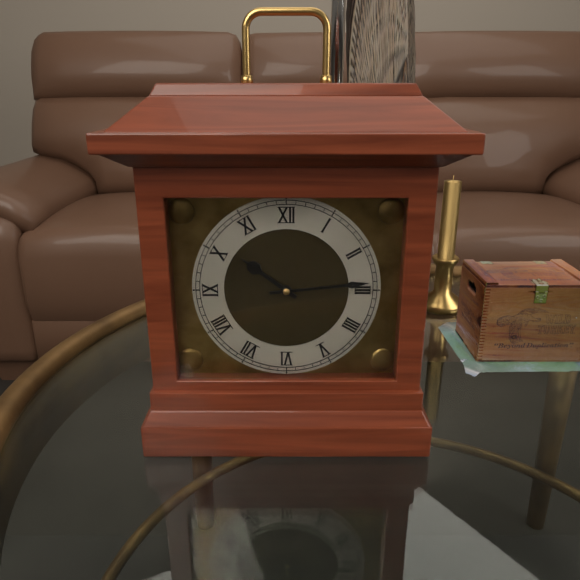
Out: {"hour": 10, "minute": 14}
